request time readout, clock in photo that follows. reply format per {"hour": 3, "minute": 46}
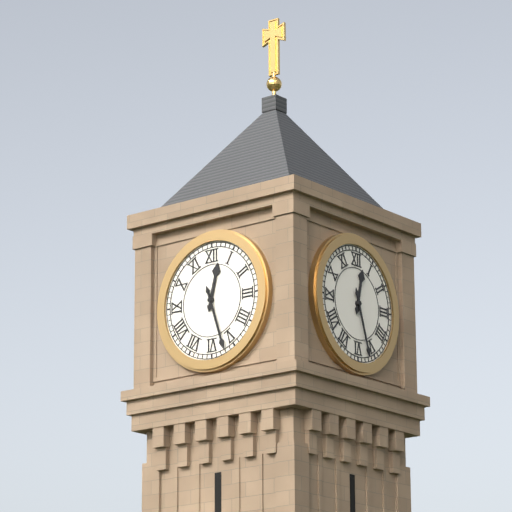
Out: {"hour": 12, "minute": 27}
